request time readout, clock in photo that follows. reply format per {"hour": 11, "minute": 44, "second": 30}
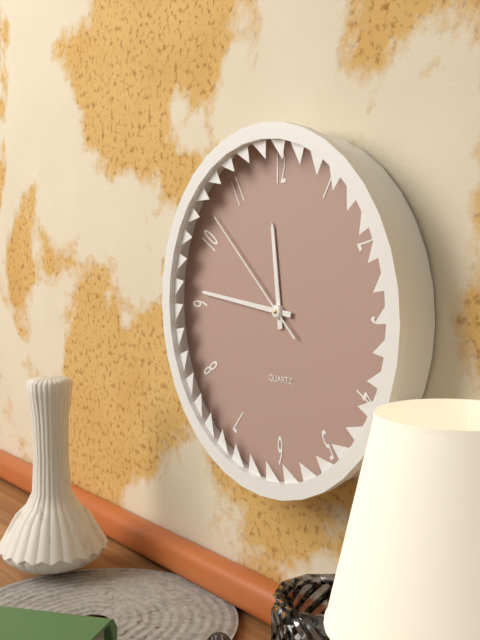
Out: {"hour": 11, "minute": 46, "second": 52}
